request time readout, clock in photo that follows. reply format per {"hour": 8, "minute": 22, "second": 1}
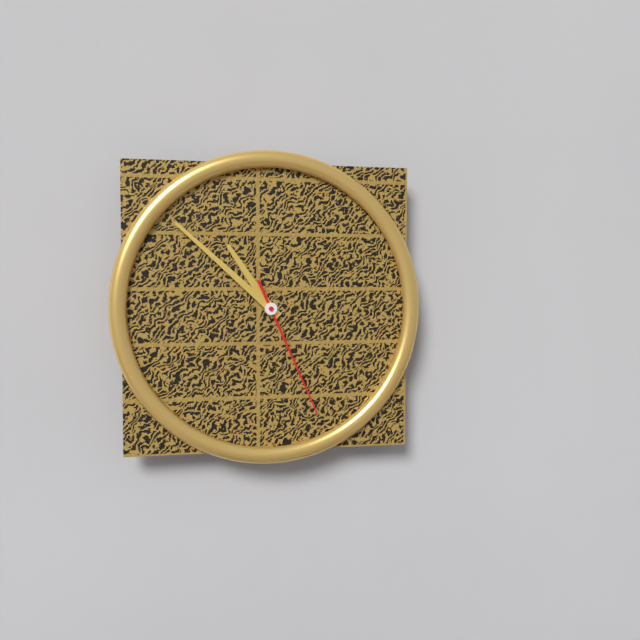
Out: {"hour": 10, "minute": 52, "second": 26}
